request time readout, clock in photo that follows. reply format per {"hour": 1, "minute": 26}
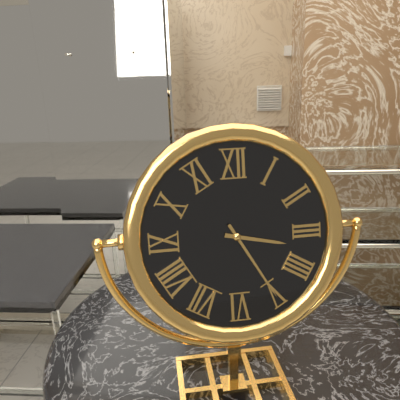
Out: {"hour": 3, "minute": 25}
